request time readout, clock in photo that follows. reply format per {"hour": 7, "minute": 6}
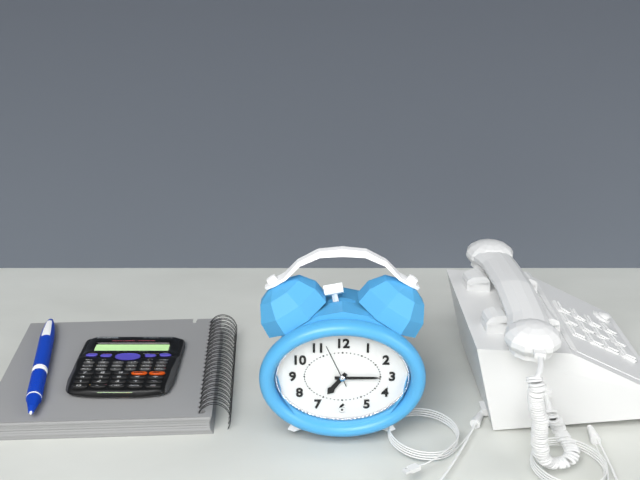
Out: {"hour": 7, "minute": 15}
